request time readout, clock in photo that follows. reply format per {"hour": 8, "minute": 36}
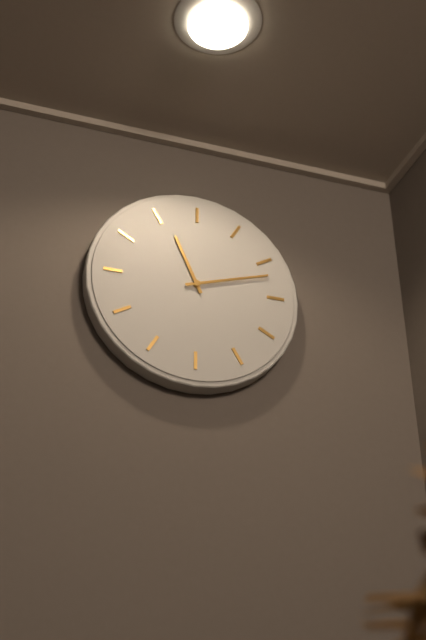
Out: {"hour": 11, "minute": 12}
